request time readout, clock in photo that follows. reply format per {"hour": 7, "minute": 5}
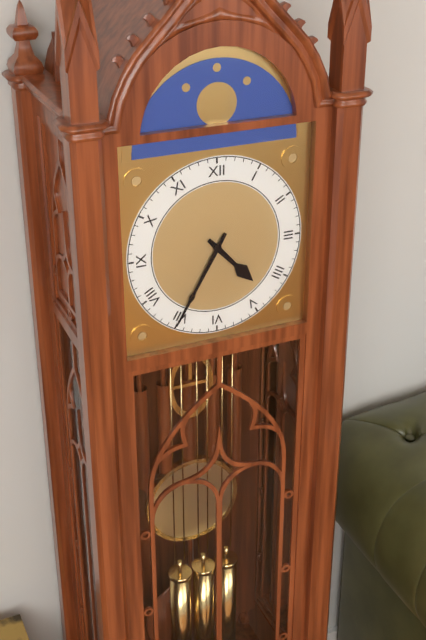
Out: {"hour": 4, "minute": 35}
